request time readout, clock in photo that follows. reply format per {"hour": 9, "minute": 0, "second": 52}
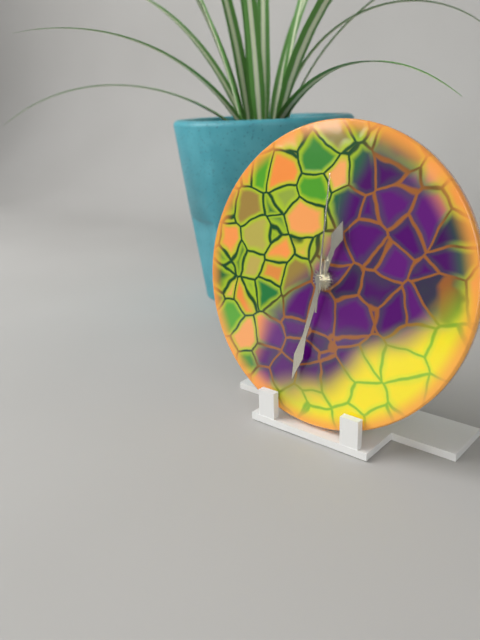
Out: {"hour": 12, "minute": 32, "second": 0}
